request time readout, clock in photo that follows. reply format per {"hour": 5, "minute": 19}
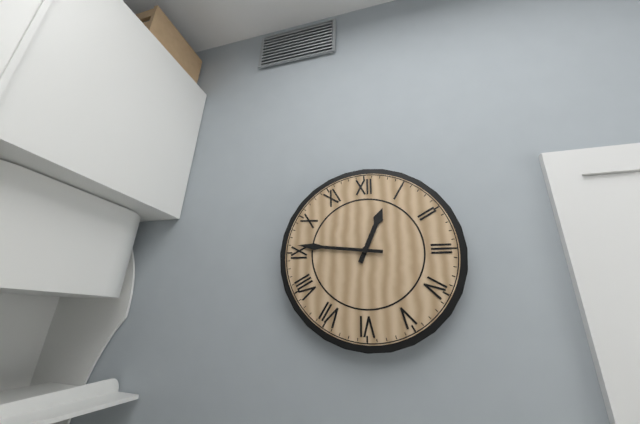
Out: {"hour": 12, "minute": 46}
